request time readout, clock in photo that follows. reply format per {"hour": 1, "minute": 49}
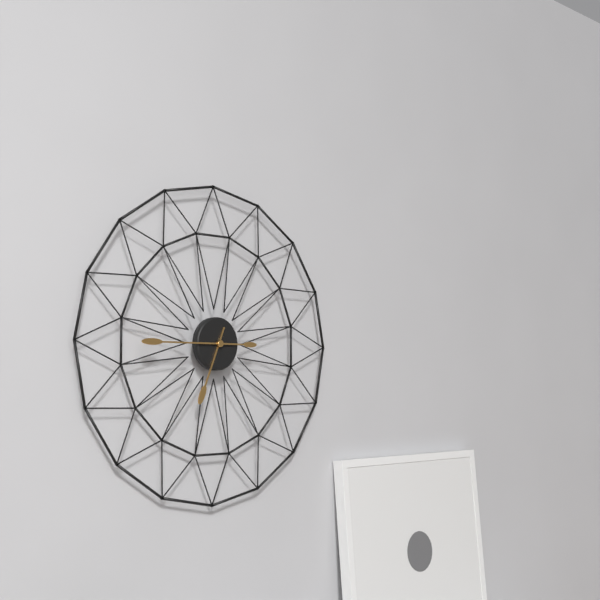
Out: {"hour": 6, "minute": 45}
